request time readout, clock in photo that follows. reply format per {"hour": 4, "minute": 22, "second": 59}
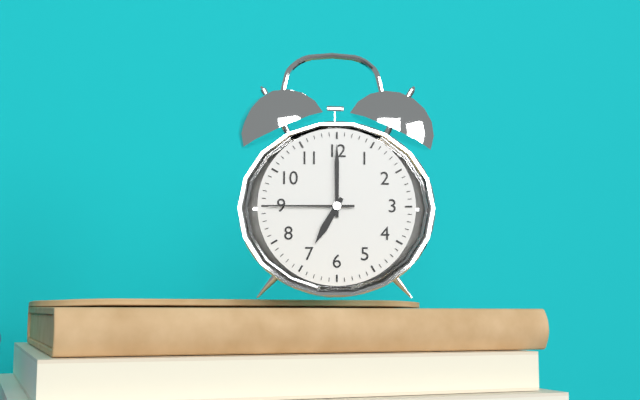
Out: {"hour": 7, "minute": 0, "second": 45}
